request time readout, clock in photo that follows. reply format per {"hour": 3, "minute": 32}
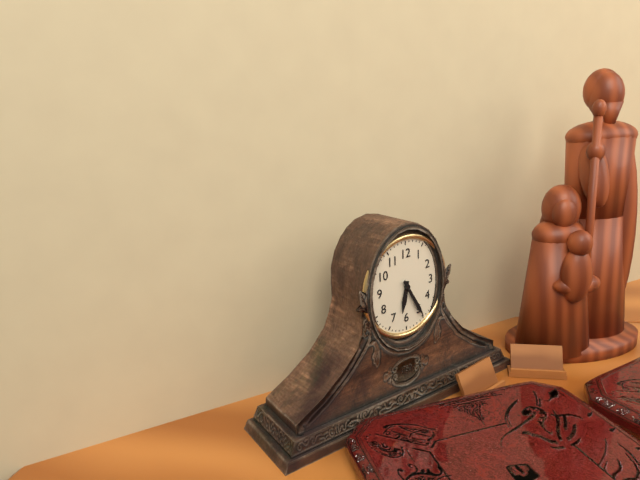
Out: {"hour": 6, "minute": 25}
